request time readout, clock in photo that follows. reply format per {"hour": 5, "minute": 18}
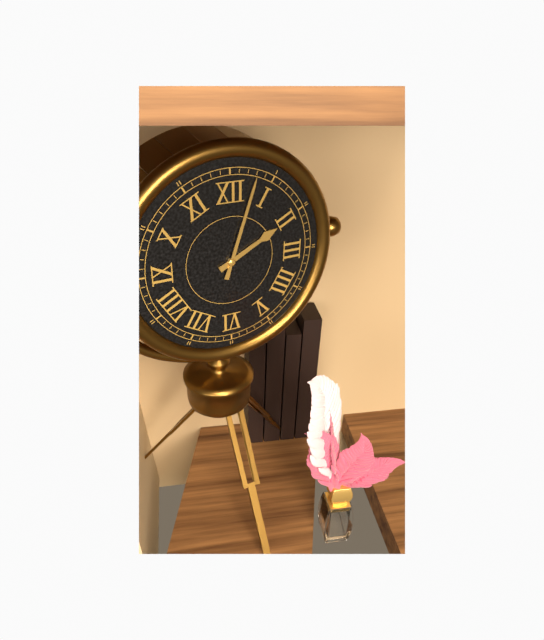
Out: {"hour": 2, "minute": 3}
